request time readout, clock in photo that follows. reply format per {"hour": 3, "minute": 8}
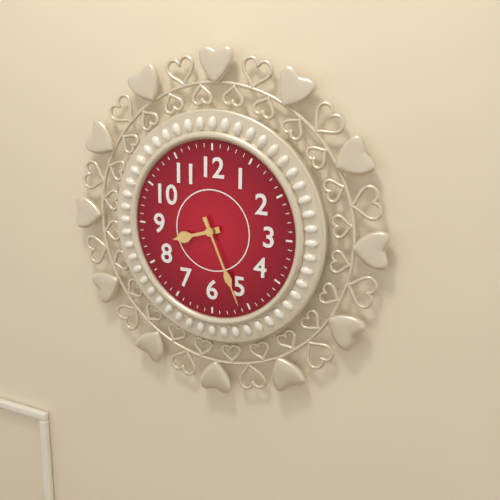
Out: {"hour": 8, "minute": 26}
